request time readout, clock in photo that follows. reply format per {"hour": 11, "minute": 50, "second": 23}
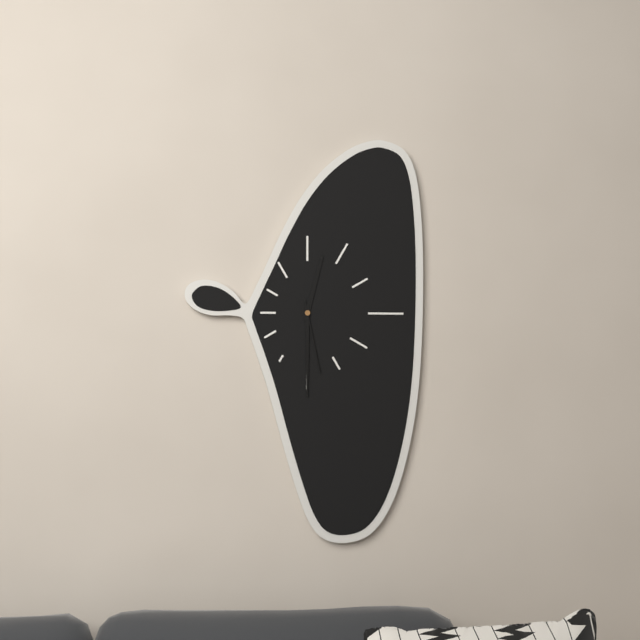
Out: {"hour": 12, "minute": 30, "second": 28}
